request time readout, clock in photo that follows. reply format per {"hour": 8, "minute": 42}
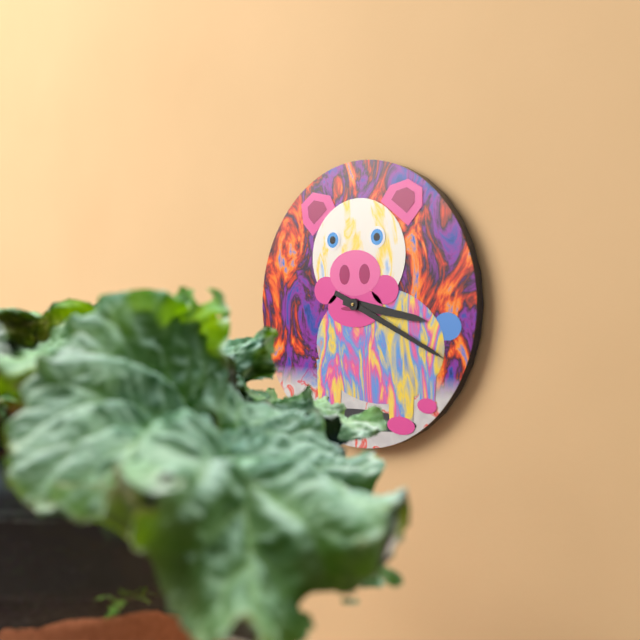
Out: {"hour": 3, "minute": 19}
